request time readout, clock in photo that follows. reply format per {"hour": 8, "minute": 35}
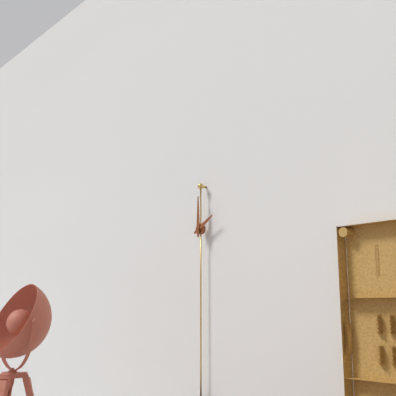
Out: {"hour": 2, "minute": 0}
